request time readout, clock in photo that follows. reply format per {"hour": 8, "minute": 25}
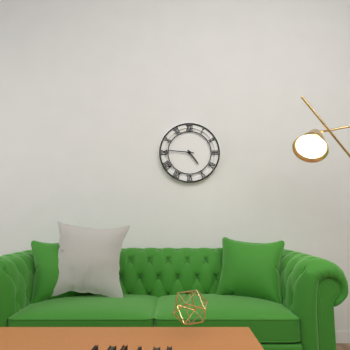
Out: {"hour": 4, "minute": 46}
